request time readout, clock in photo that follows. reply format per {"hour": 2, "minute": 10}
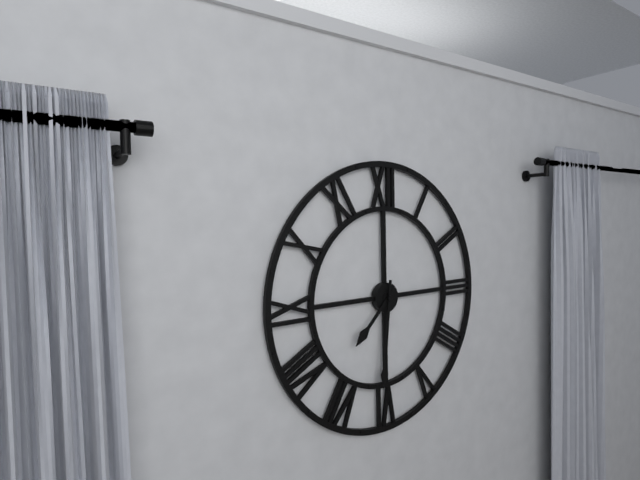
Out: {"hour": 7, "minute": 31}
